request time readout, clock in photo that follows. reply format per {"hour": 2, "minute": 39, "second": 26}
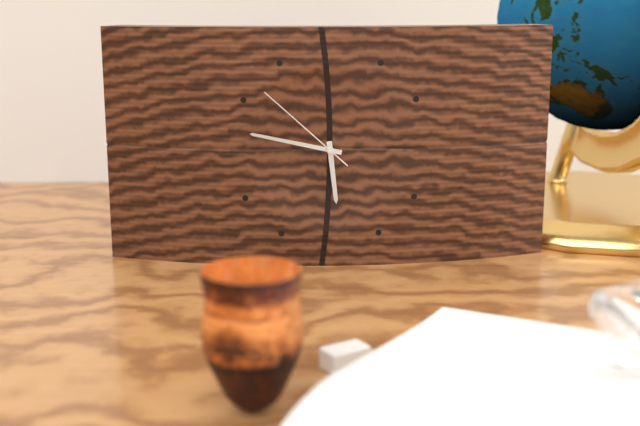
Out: {"hour": 5, "minute": 47, "second": 52}
